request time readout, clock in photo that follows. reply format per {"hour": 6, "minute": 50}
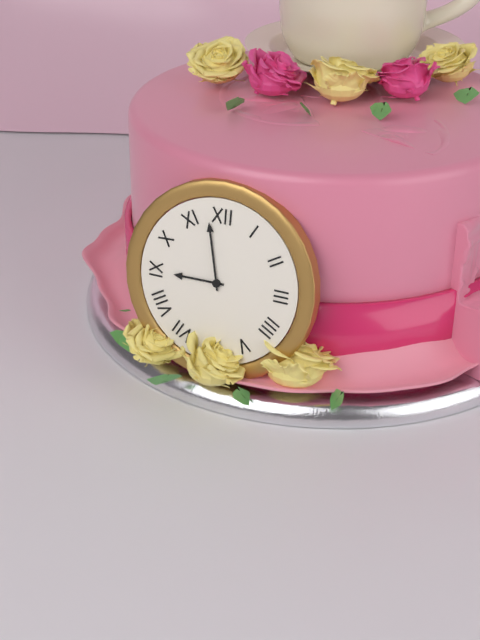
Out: {"hour": 8, "minute": 58}
